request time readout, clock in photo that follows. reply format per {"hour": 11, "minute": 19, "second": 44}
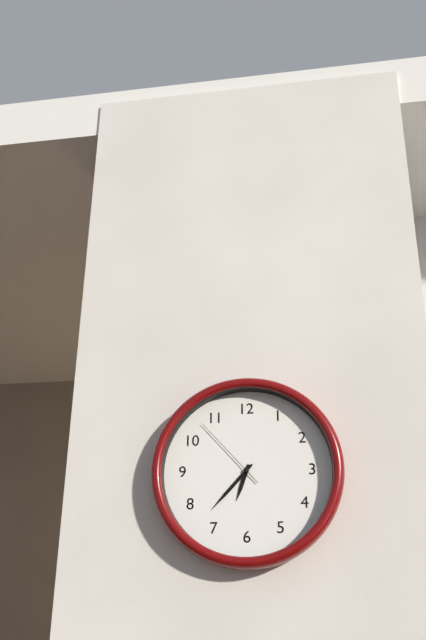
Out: {"hour": 6, "minute": 37, "second": 53}
